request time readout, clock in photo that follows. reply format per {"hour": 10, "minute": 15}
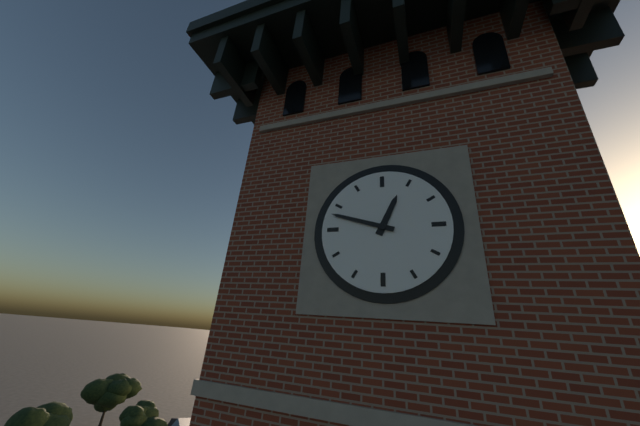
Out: {"hour": 12, "minute": 48}
